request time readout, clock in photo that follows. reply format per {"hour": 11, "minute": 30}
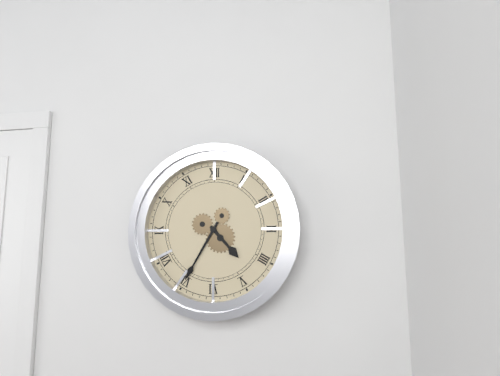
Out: {"hour": 4, "minute": 35}
